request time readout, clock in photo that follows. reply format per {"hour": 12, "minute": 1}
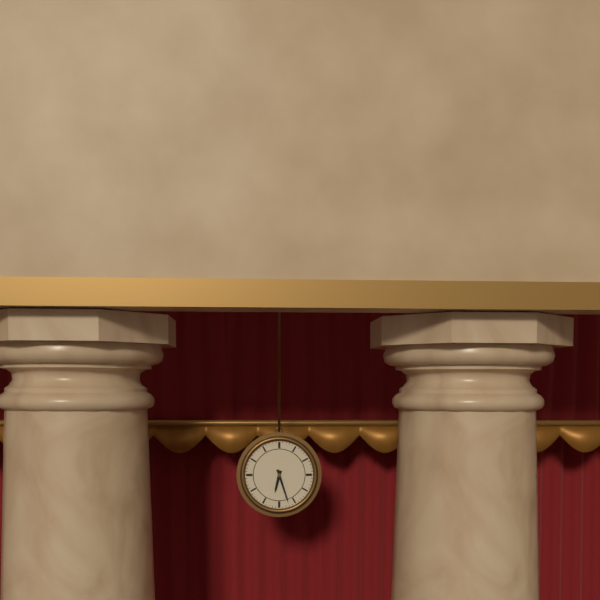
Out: {"hour": 6, "minute": 27}
